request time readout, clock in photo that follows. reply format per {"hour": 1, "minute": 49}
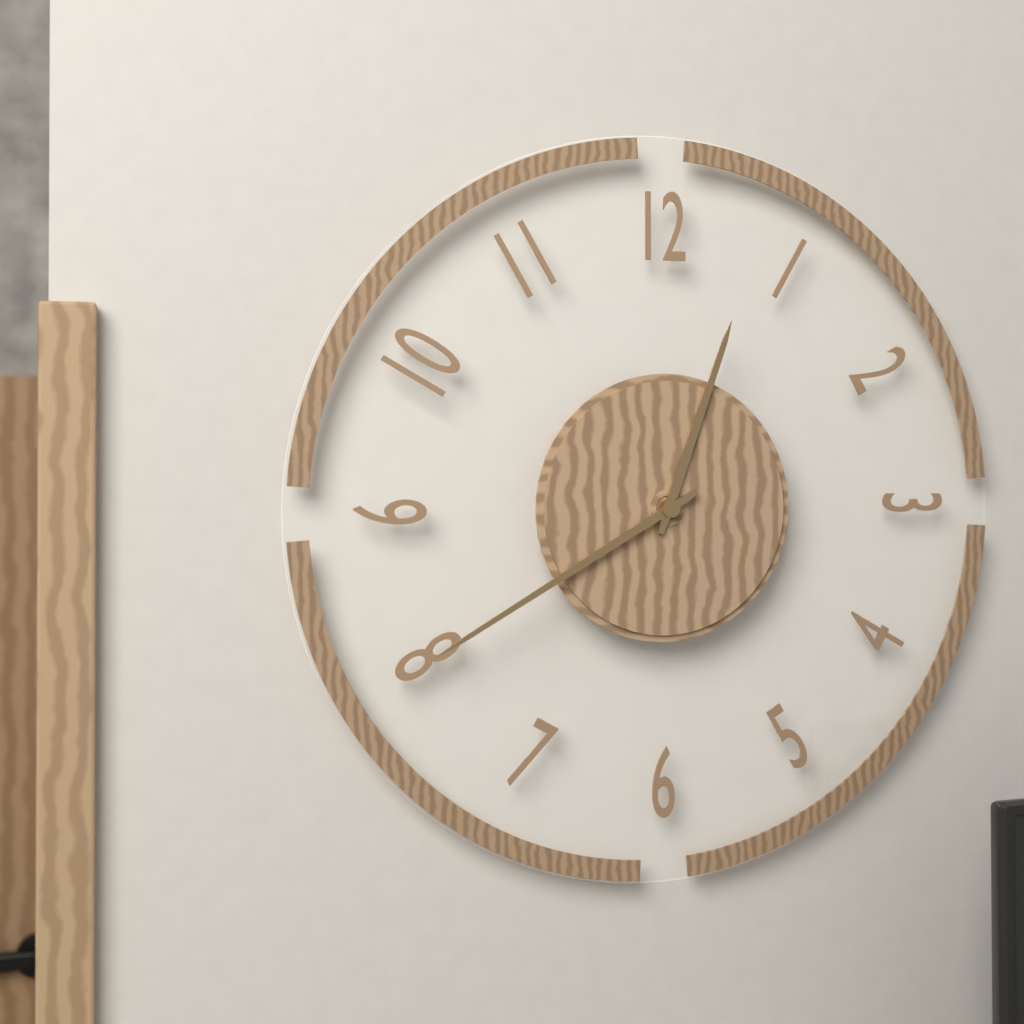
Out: {"hour": 12, "minute": 40}
